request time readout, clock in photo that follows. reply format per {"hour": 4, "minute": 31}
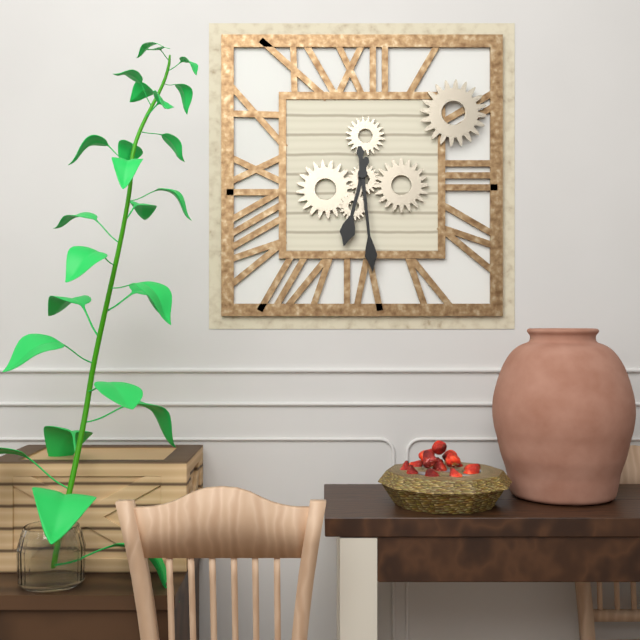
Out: {"hour": 6, "minute": 29}
